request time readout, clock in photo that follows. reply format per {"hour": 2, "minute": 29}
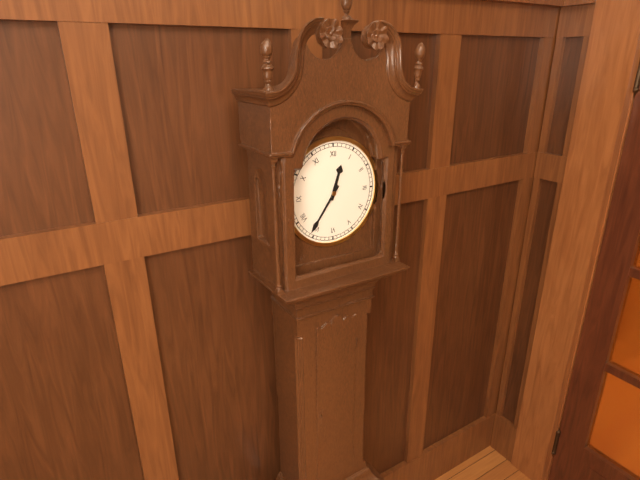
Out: {"hour": 12, "minute": 36}
